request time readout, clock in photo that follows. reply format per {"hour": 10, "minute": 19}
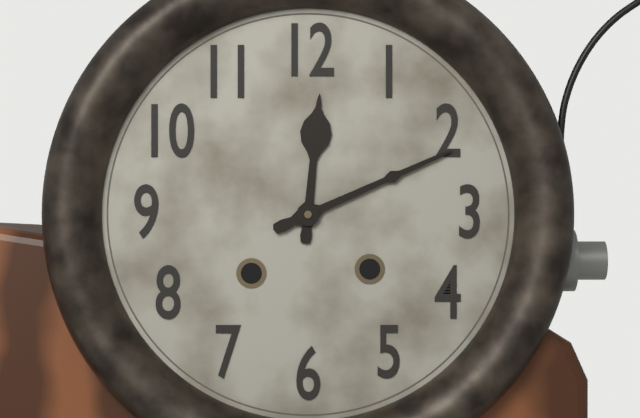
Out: {"hour": 12, "minute": 11}
